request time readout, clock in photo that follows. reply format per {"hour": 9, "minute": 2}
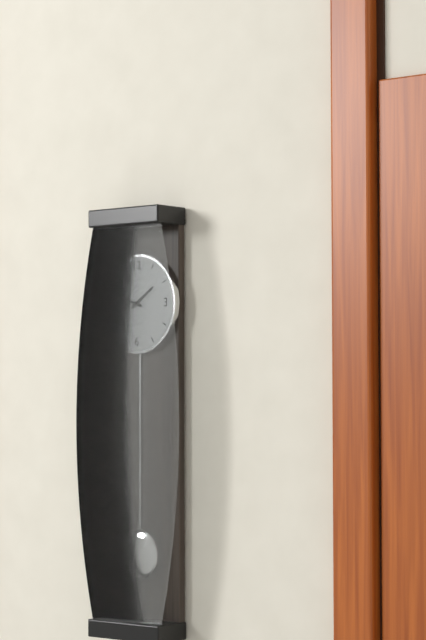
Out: {"hour": 1, "minute": 48}
